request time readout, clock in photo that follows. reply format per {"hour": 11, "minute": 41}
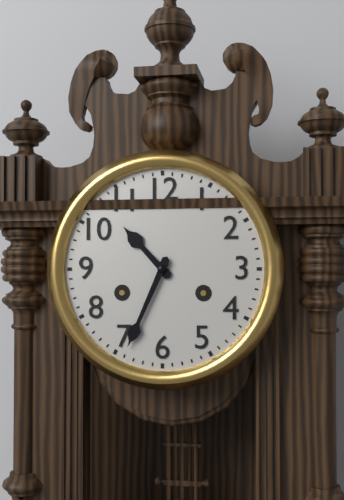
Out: {"hour": 10, "minute": 34}
